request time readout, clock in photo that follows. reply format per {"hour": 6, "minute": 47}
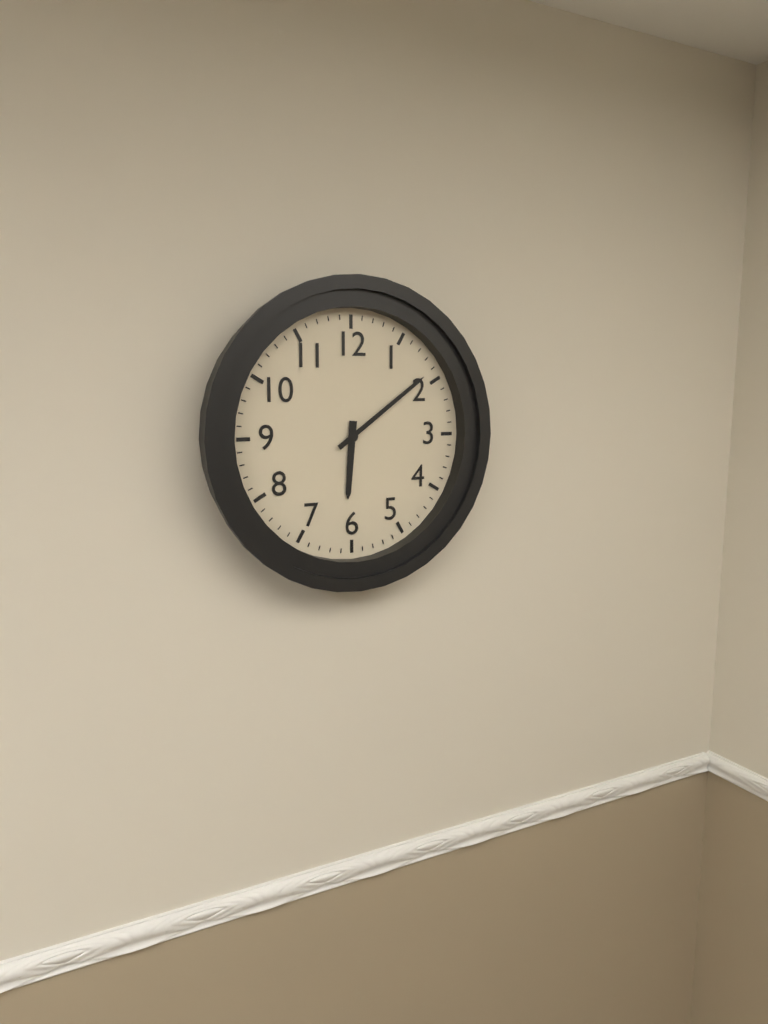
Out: {"hour": 6, "minute": 9}
